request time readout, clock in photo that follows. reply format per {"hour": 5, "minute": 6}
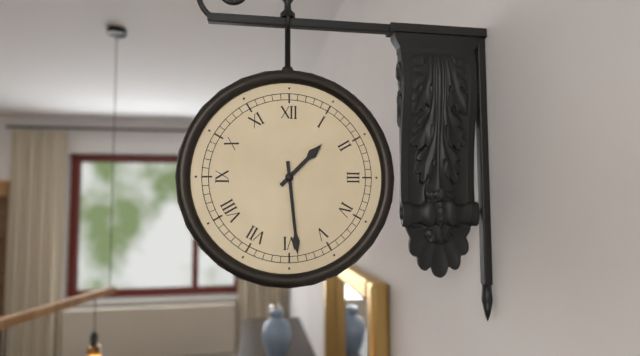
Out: {"hour": 1, "minute": 29}
